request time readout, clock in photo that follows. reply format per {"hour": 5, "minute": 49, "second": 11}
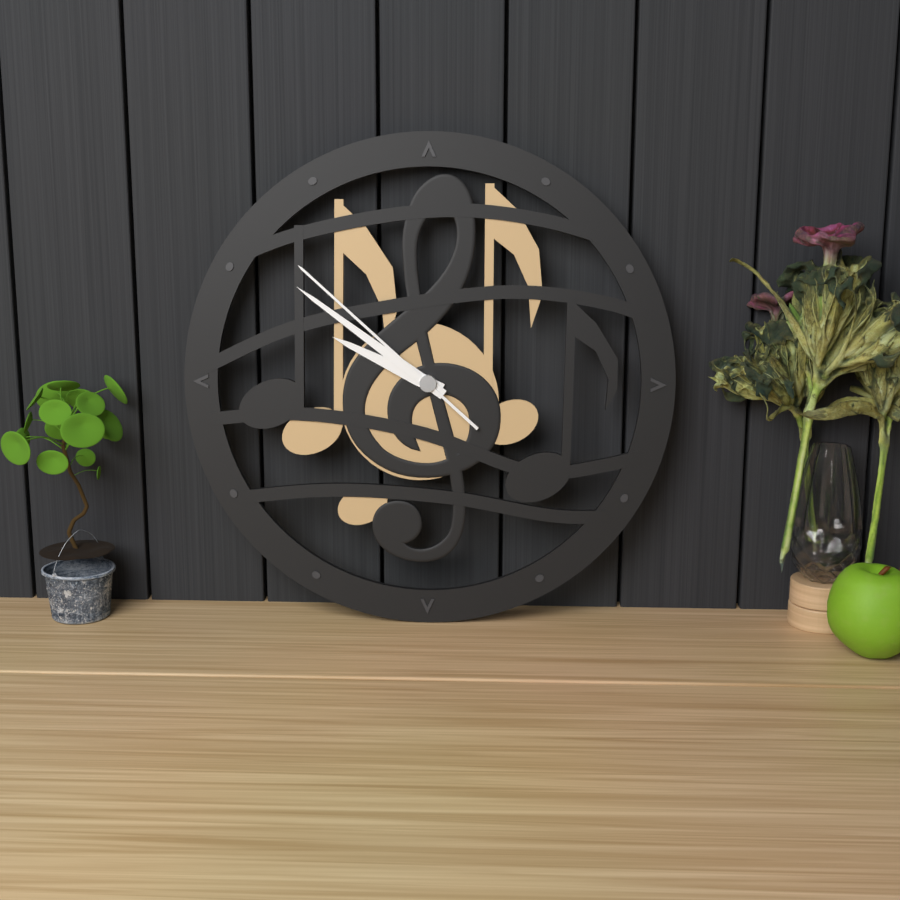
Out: {"hour": 9, "minute": 51, "second": 52}
